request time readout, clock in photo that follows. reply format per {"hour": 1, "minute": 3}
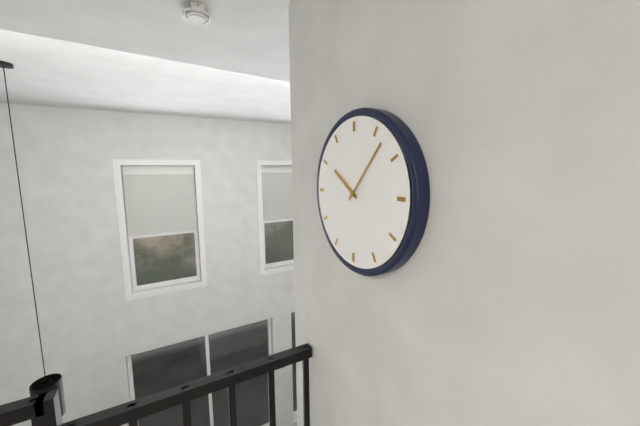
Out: {"hour": 10, "minute": 7}
